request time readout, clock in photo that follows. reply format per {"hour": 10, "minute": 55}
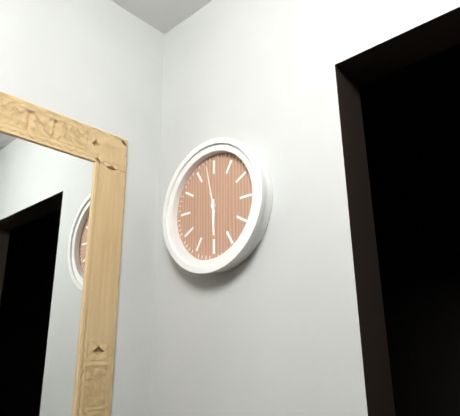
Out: {"hour": 5, "minute": 58}
